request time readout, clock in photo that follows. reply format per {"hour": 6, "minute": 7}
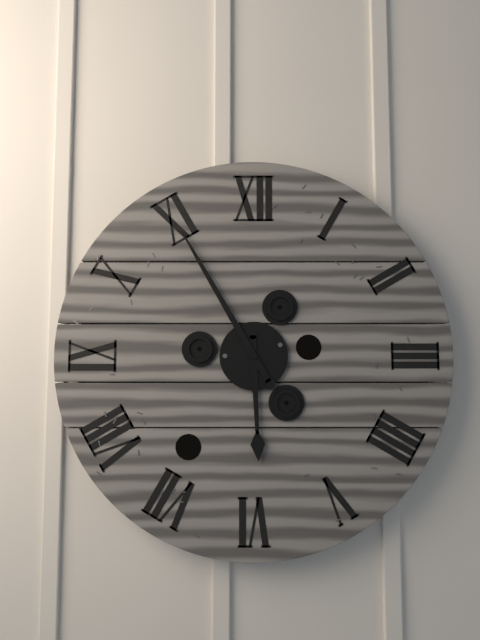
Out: {"hour": 5, "minute": 55}
